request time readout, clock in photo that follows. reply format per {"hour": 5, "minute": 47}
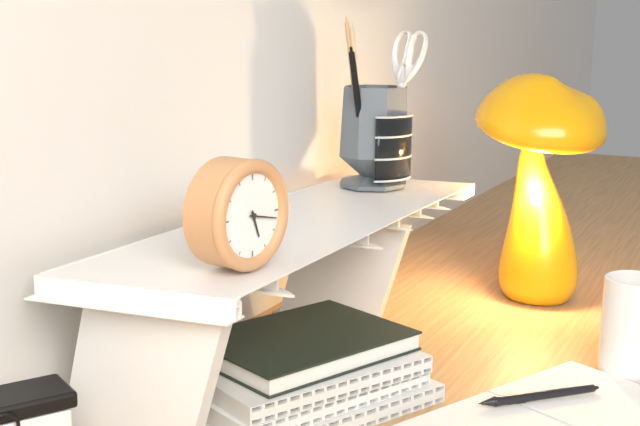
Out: {"hour": 5, "minute": 17}
